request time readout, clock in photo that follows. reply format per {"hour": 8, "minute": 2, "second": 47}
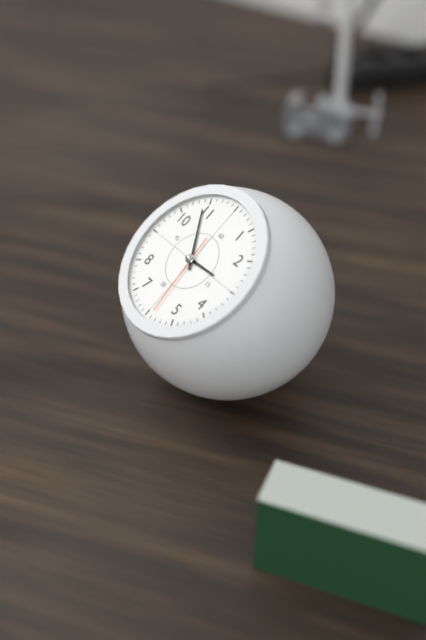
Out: {"hour": 2, "minute": 54, "second": 29}
